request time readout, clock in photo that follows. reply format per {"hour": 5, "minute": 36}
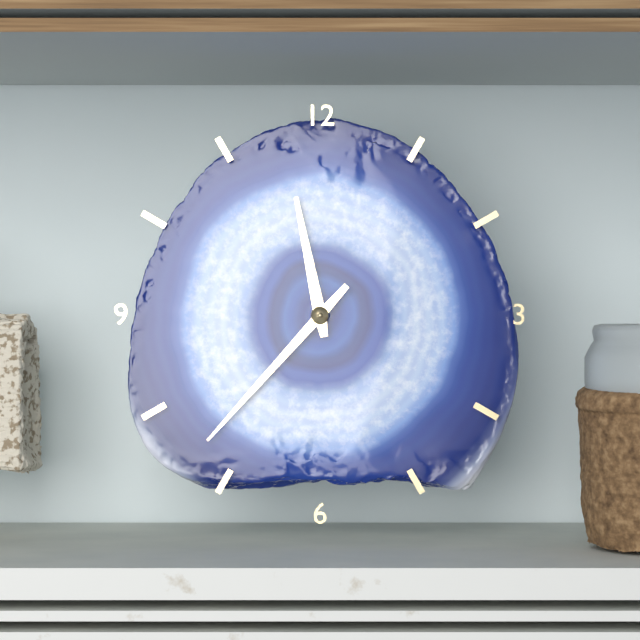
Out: {"hour": 11, "minute": 37}
